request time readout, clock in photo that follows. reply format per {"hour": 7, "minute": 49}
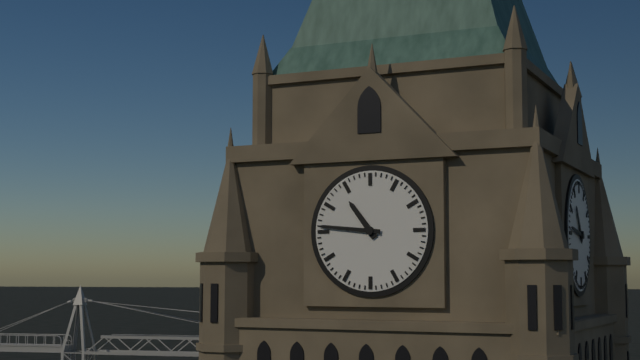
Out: {"hour": 10, "minute": 46}
